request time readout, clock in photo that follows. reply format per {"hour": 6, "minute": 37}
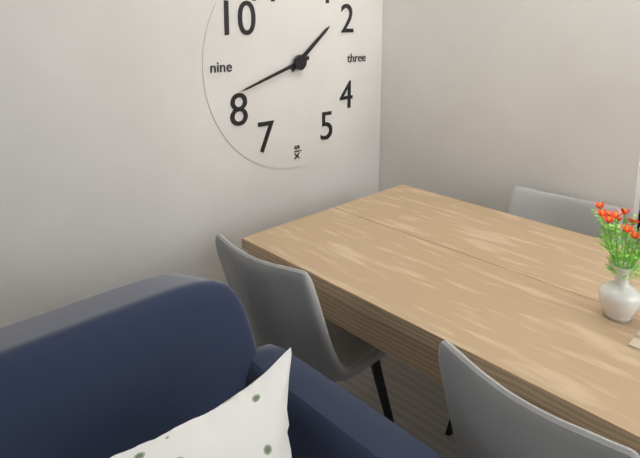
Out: {"hour": 1, "minute": 42}
